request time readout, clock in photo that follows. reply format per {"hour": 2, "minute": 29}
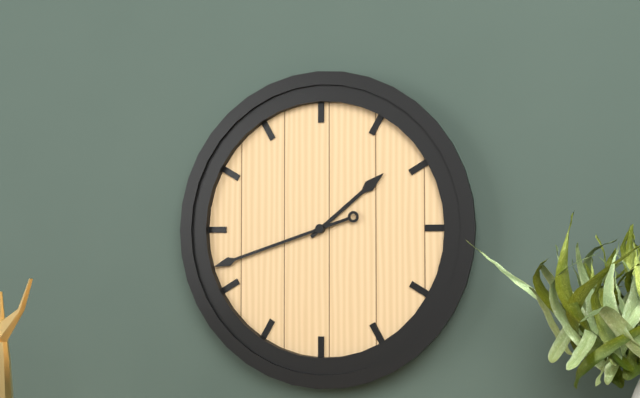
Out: {"hour": 1, "minute": 42}
